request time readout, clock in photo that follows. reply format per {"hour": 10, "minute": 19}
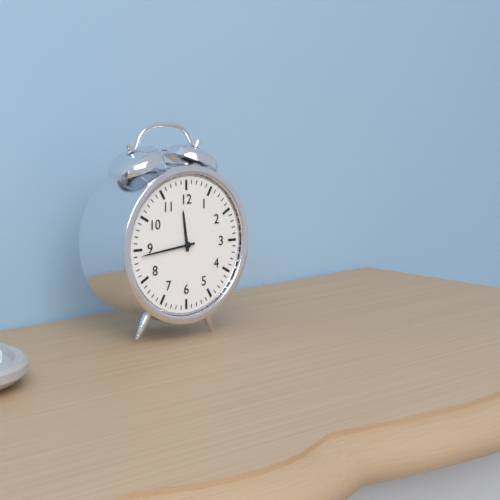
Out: {"hour": 11, "minute": 44}
